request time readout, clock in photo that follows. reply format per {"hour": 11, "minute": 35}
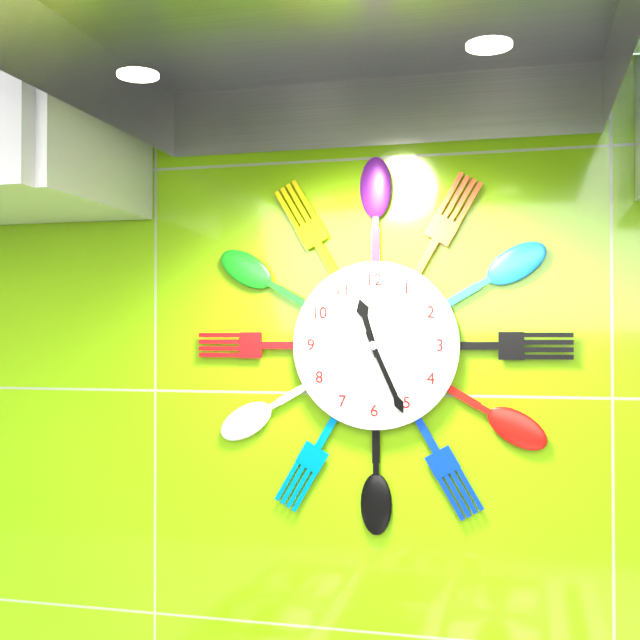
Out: {"hour": 11, "minute": 26}
